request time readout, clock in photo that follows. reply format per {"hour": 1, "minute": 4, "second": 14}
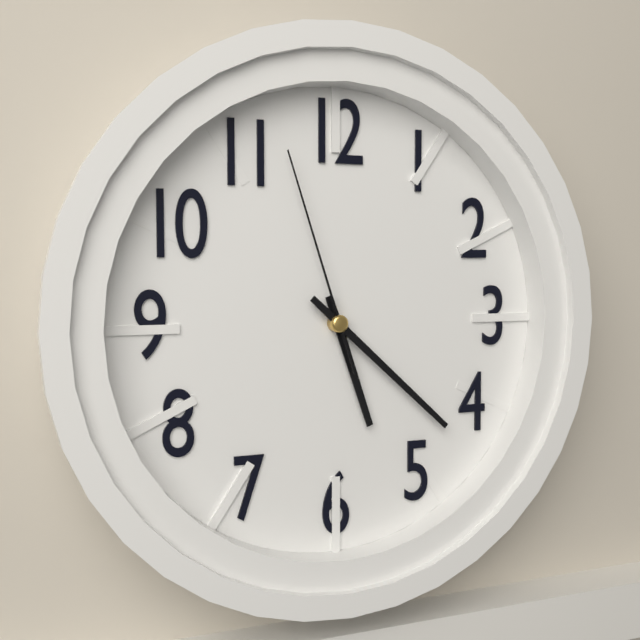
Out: {"hour": 5, "minute": 22, "second": 57}
